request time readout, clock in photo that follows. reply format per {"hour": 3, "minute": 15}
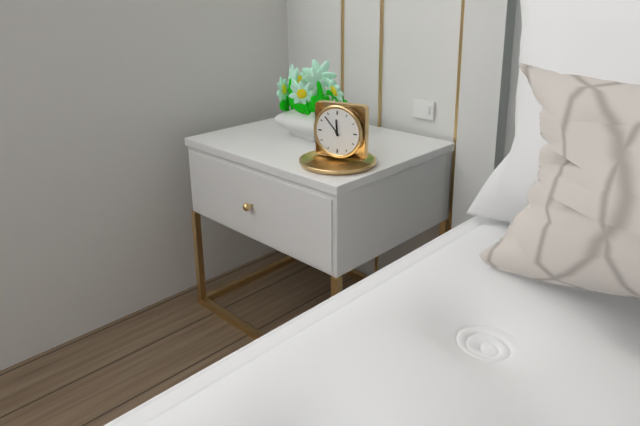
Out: {"hour": 11, "minute": 53}
